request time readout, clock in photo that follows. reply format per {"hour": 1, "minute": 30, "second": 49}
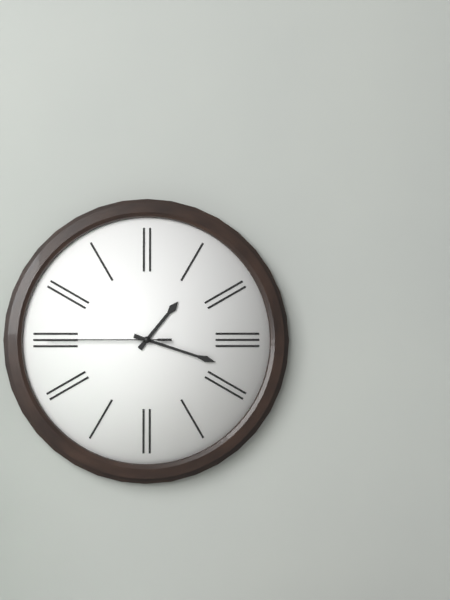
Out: {"hour": 1, "minute": 18, "second": 45}
